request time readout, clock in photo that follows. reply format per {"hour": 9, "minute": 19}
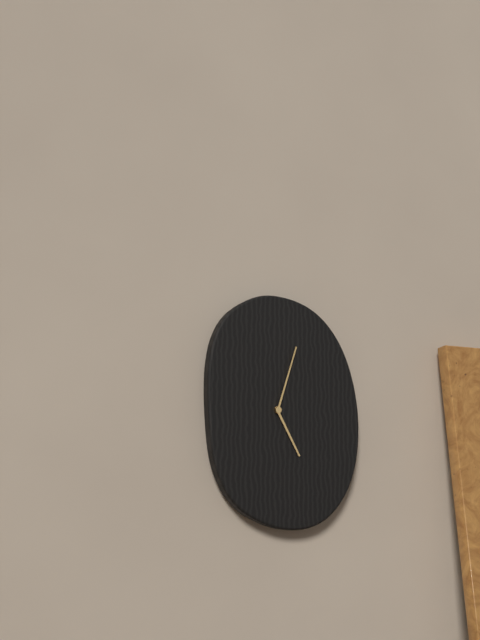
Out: {"hour": 5, "minute": 3}
